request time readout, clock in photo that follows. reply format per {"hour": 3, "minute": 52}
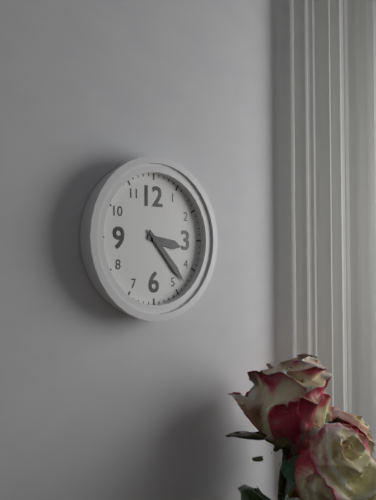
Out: {"hour": 3, "minute": 23}
